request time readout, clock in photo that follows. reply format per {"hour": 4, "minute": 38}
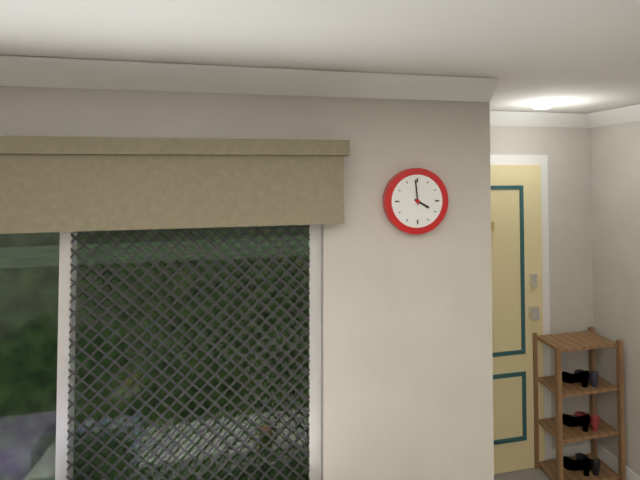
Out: {"hour": 3, "minute": 59}
